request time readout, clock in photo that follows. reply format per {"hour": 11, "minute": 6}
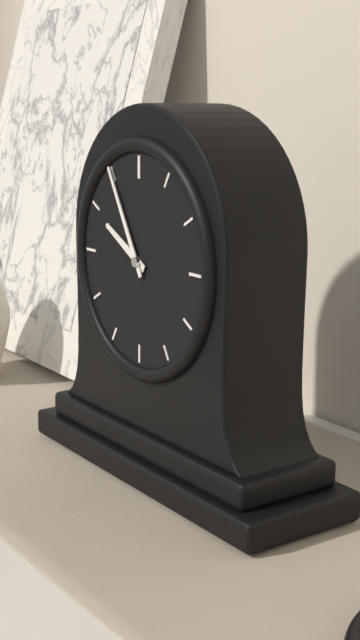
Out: {"hour": 9, "minute": 55}
